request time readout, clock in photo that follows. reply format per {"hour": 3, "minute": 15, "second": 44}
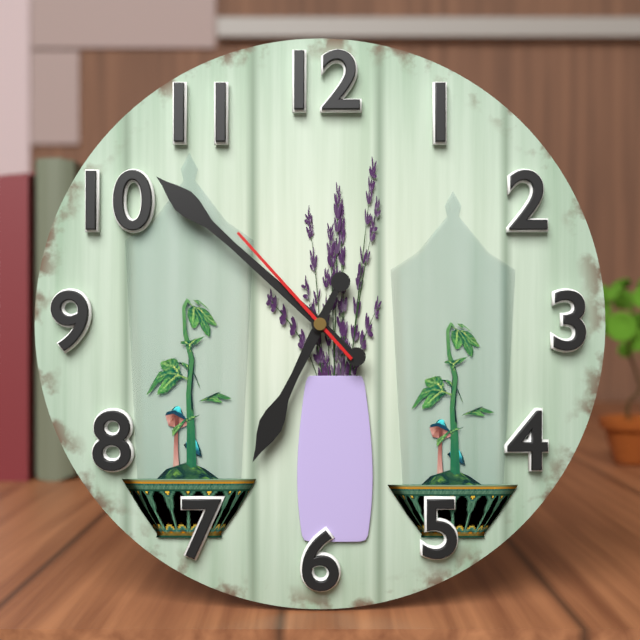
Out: {"hour": 6, "minute": 52, "second": 53}
